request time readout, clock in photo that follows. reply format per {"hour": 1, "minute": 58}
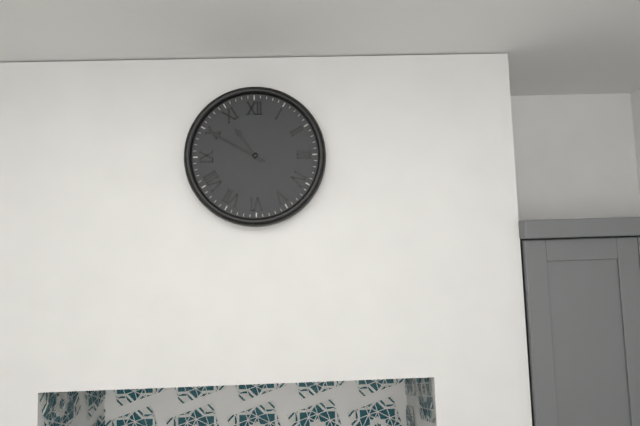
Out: {"hour": 10, "minute": 50}
